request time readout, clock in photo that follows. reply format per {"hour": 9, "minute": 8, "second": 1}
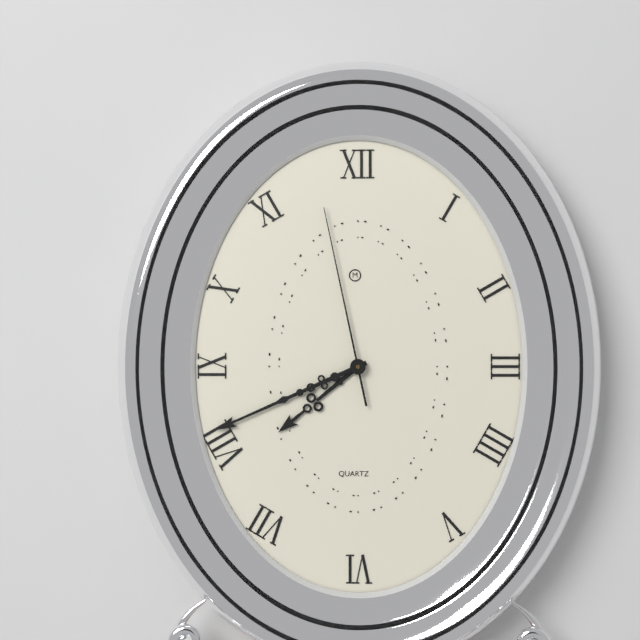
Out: {"hour": 7, "minute": 41, "second": 58}
